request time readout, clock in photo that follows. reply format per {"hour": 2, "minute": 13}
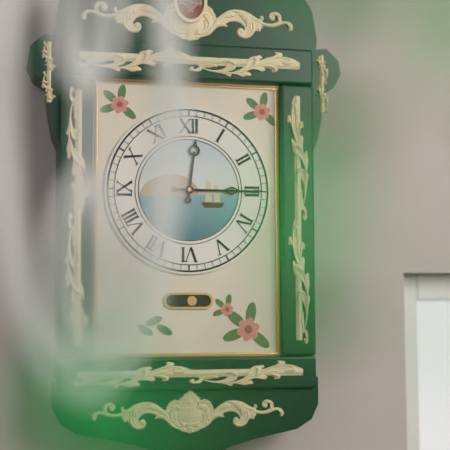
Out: {"hour": 12, "minute": 15}
